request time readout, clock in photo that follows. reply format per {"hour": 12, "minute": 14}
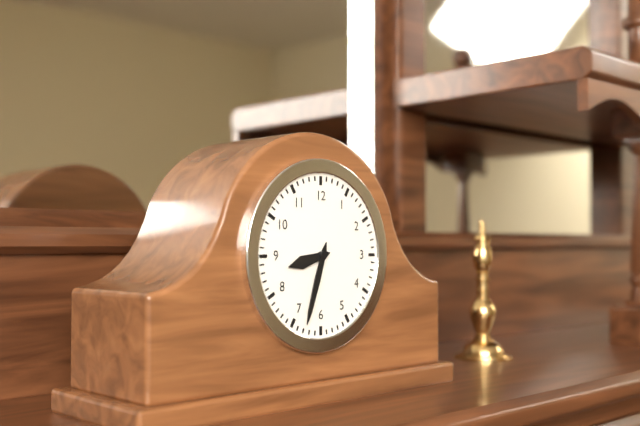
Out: {"hour": 8, "minute": 33}
